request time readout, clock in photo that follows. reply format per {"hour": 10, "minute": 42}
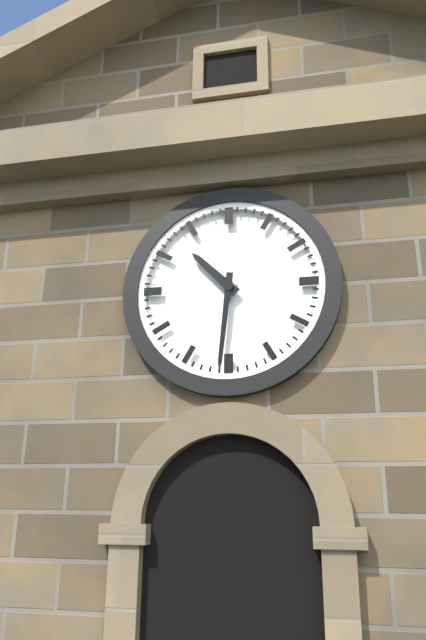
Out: {"hour": 10, "minute": 31}
